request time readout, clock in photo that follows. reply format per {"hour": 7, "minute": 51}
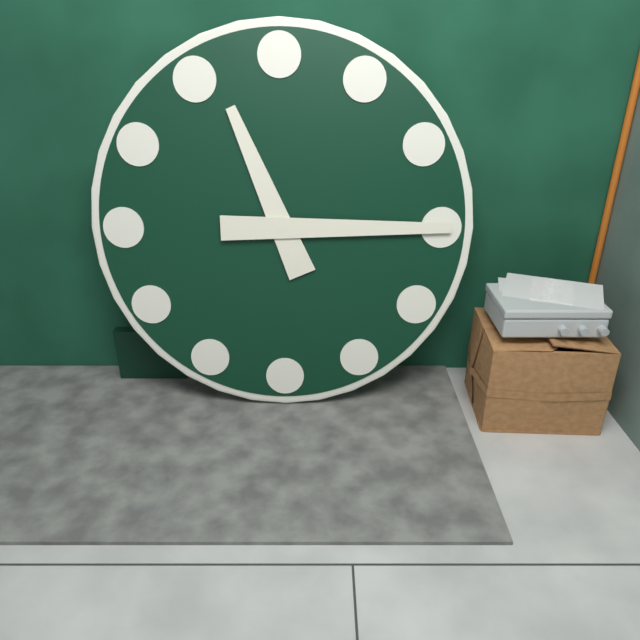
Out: {"hour": 11, "minute": 15}
